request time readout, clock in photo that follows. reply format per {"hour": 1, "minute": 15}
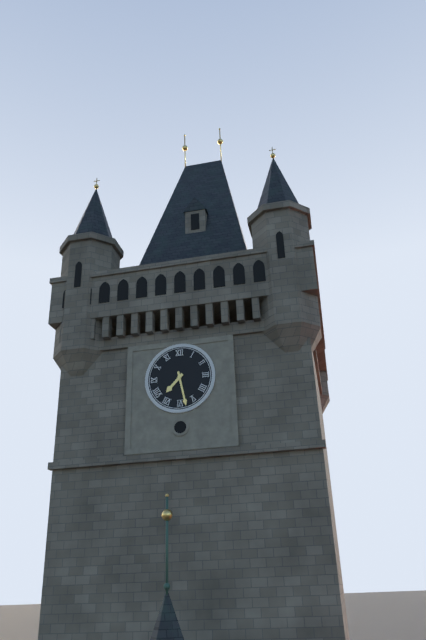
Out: {"hour": 7, "minute": 28}
